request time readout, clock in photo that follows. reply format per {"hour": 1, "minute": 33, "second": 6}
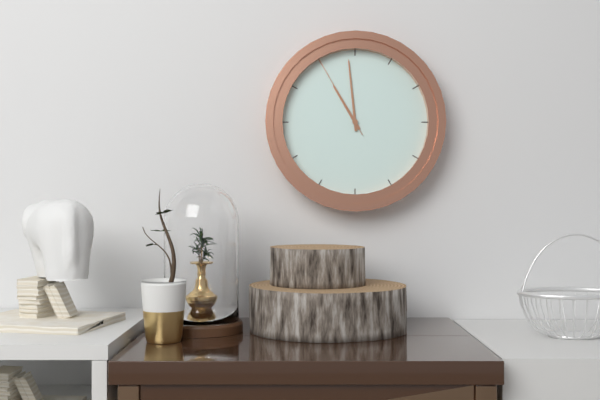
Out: {"hour": 10, "minute": 59, "second": 55}
